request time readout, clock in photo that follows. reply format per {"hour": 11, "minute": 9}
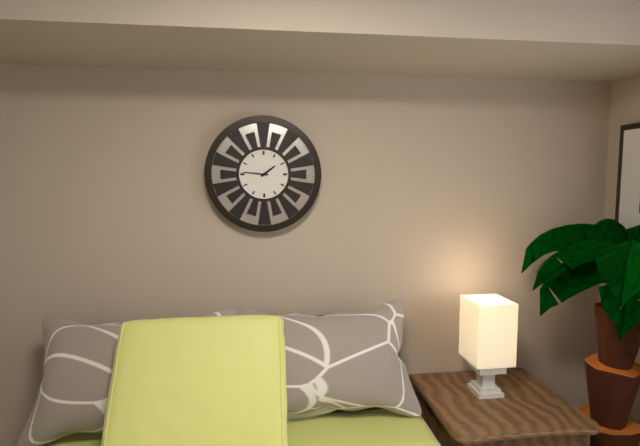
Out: {"hour": 1, "minute": 46}
